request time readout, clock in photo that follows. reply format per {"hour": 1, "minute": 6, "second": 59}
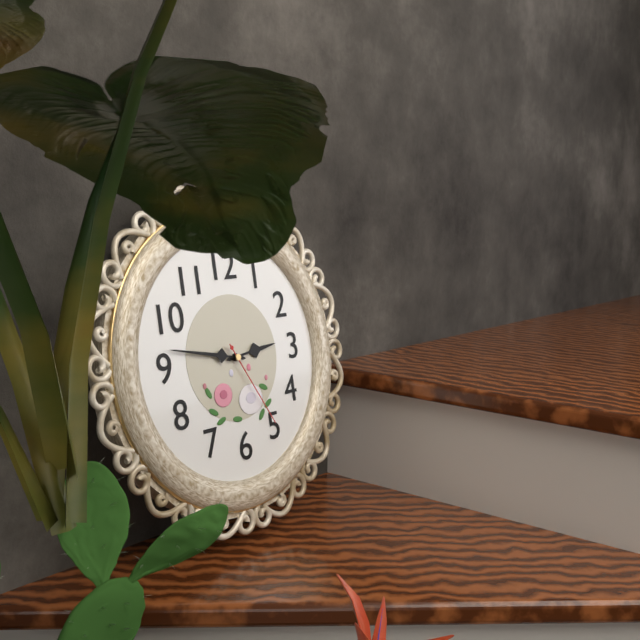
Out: {"hour": 2, "minute": 47, "second": 25}
